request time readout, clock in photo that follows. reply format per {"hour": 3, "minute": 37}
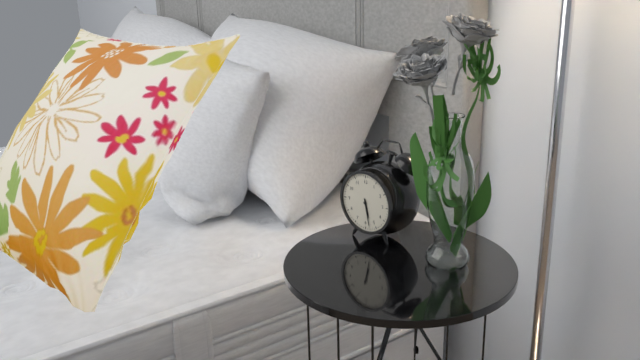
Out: {"hour": 5, "minute": 28}
